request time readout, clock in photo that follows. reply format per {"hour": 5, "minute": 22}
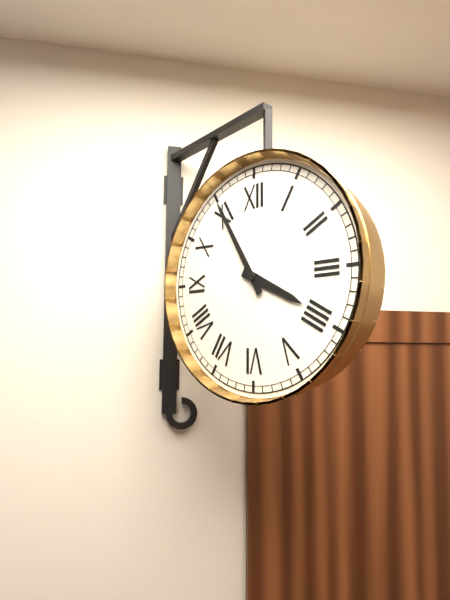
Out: {"hour": 3, "minute": 55}
